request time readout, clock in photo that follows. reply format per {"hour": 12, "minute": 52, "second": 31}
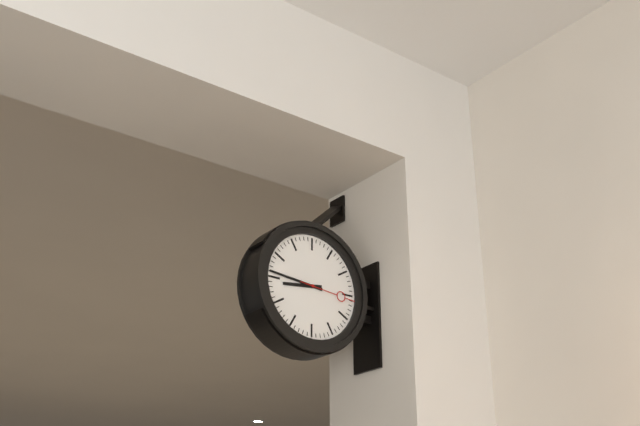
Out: {"hour": 8, "minute": 46, "second": 16}
